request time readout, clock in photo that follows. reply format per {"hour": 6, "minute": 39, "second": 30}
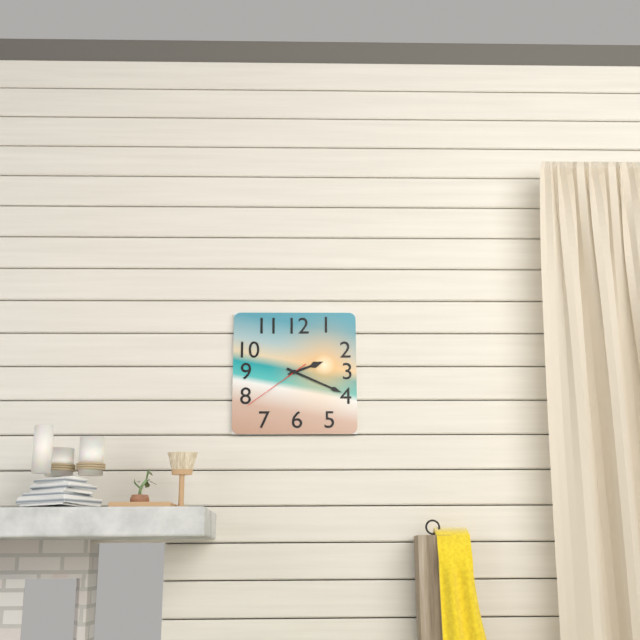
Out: {"hour": 2, "minute": 19, "second": 39}
